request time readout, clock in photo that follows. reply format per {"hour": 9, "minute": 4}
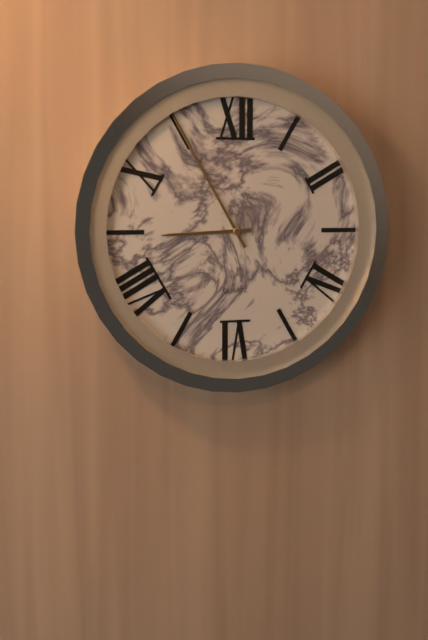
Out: {"hour": 8, "minute": 55}
